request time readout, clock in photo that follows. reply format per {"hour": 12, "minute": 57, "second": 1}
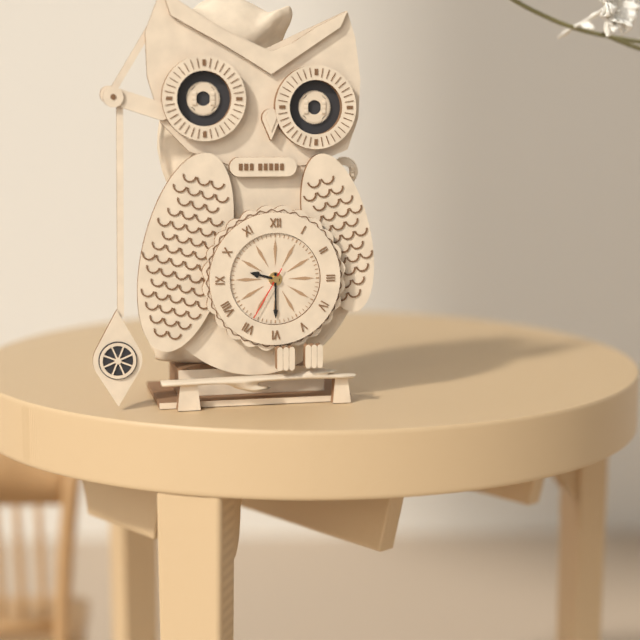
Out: {"hour": 9, "minute": 30, "second": 35}
